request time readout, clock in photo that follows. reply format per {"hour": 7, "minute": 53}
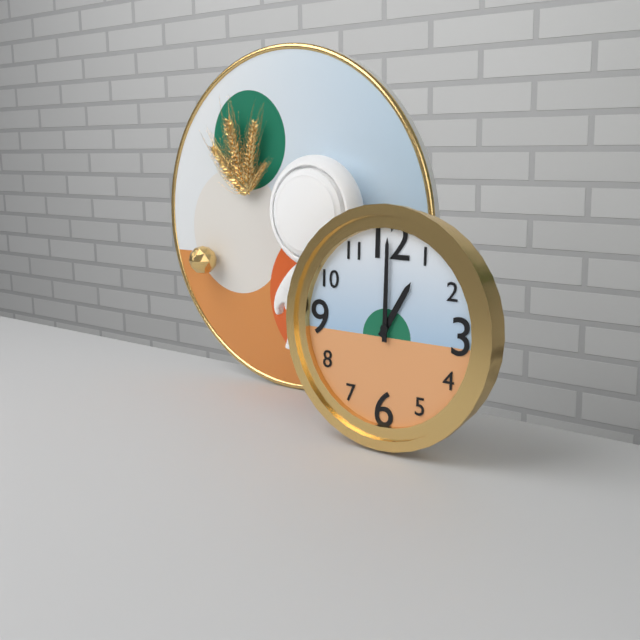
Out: {"hour": 1, "minute": 0}
